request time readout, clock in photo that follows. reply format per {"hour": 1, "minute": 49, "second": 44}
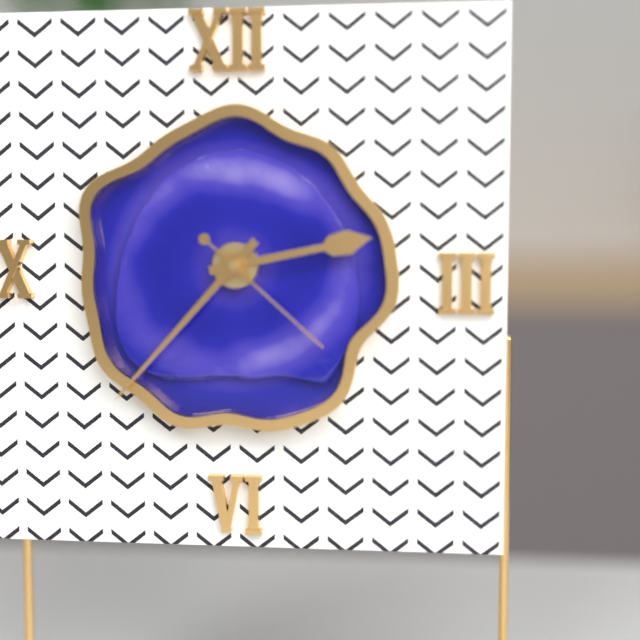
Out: {"hour": 2, "minute": 37, "second": 22}
